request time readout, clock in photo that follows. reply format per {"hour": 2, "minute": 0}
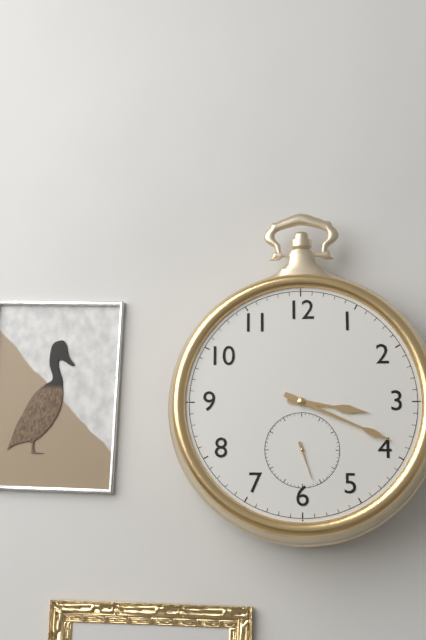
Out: {"hour": 3, "minute": 19}
